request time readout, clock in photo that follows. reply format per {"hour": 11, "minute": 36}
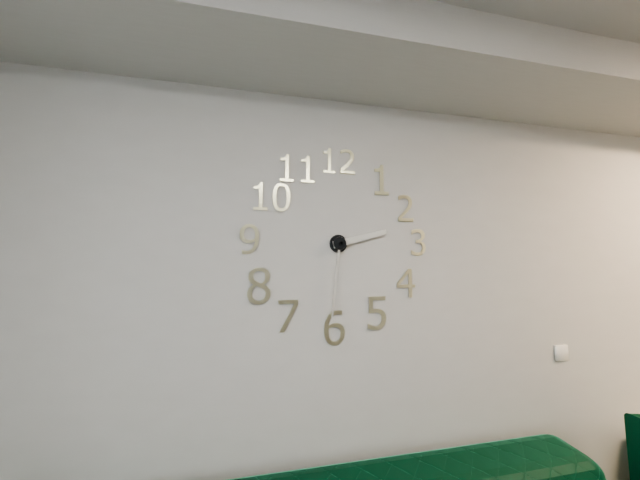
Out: {"hour": 2, "minute": 31}
